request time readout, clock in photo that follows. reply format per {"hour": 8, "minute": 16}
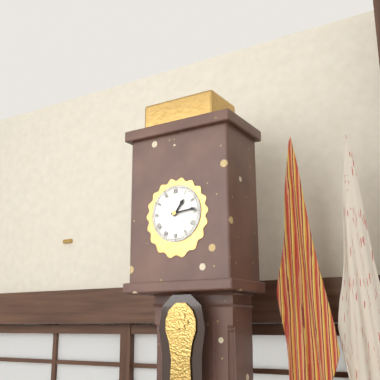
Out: {"hour": 1, "minute": 14}
